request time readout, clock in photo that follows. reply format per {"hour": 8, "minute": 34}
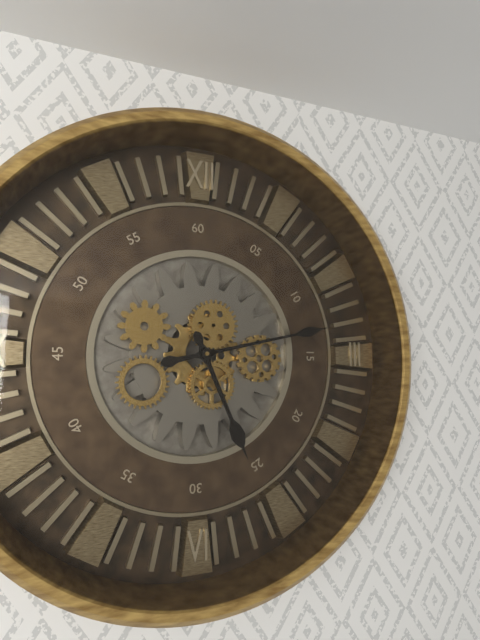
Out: {"hour": 5, "minute": 13}
